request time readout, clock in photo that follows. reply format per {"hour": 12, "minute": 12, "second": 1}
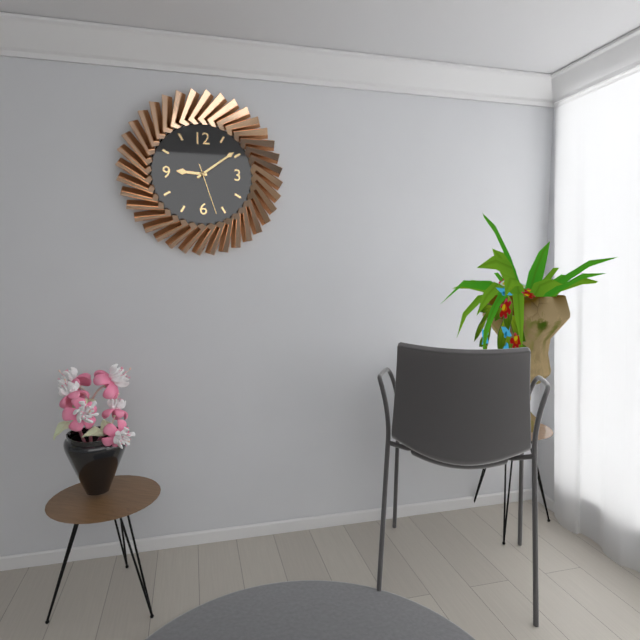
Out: {"hour": 9, "minute": 9, "second": 27}
